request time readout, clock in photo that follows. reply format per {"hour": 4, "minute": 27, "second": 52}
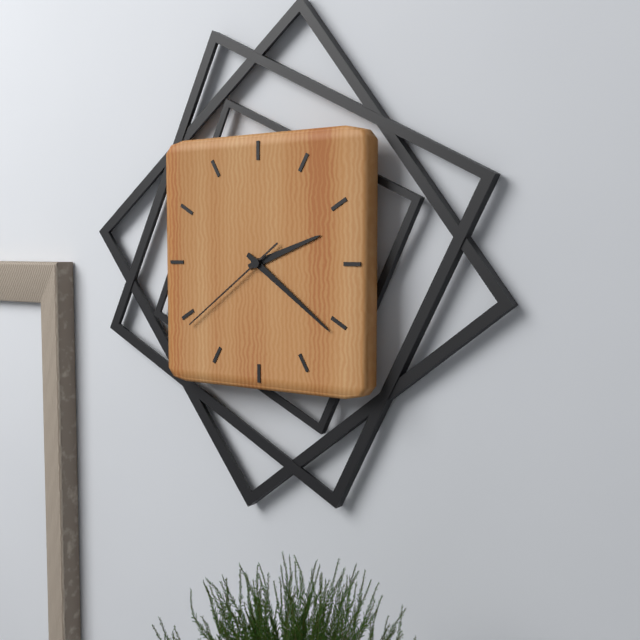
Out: {"hour": 2, "minute": 21, "second": 39}
